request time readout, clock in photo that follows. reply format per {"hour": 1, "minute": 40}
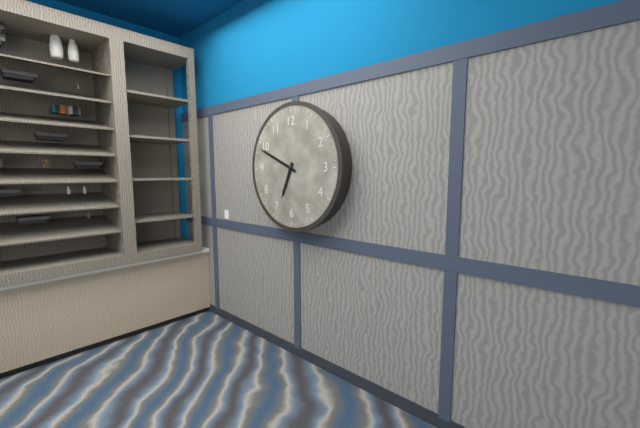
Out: {"hour": 6, "minute": 49}
